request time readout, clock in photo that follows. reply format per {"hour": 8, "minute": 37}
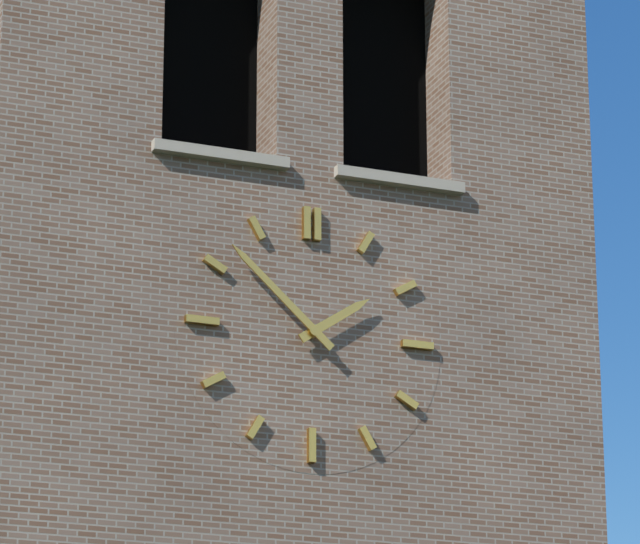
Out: {"hour": 1, "minute": 52}
